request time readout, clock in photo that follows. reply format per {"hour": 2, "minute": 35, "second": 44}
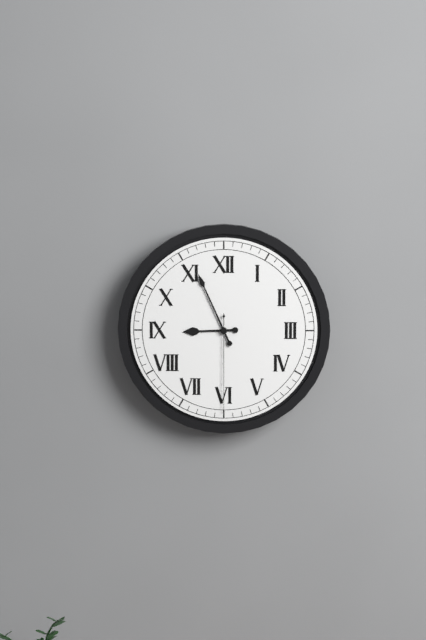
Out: {"hour": 8, "minute": 56, "second": 30}
